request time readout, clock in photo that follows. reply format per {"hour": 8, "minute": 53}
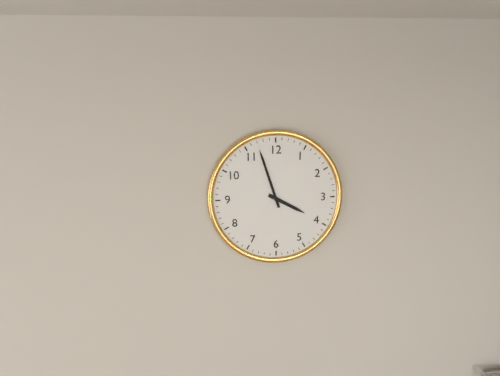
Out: {"hour": 3, "minute": 57}
